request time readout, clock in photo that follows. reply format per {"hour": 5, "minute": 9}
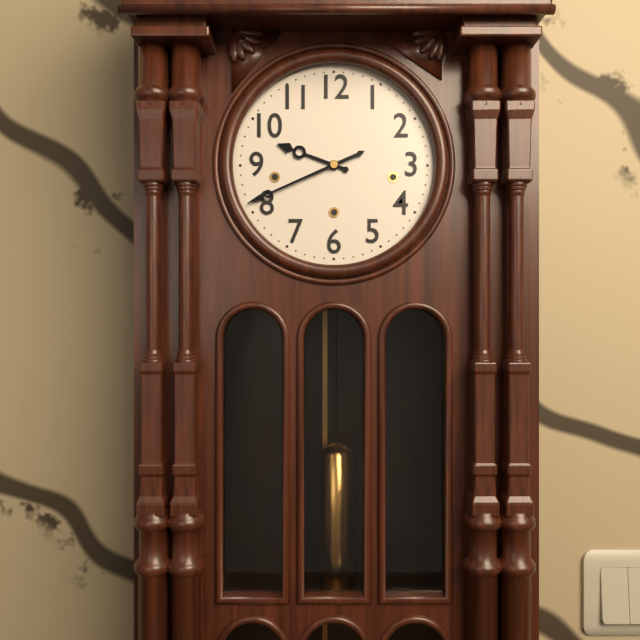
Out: {"hour": 9, "minute": 41}
